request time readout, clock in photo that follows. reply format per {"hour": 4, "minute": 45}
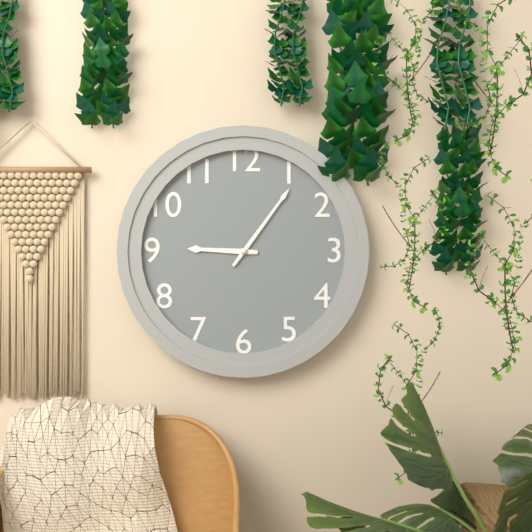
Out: {"hour": 9, "minute": 6}
